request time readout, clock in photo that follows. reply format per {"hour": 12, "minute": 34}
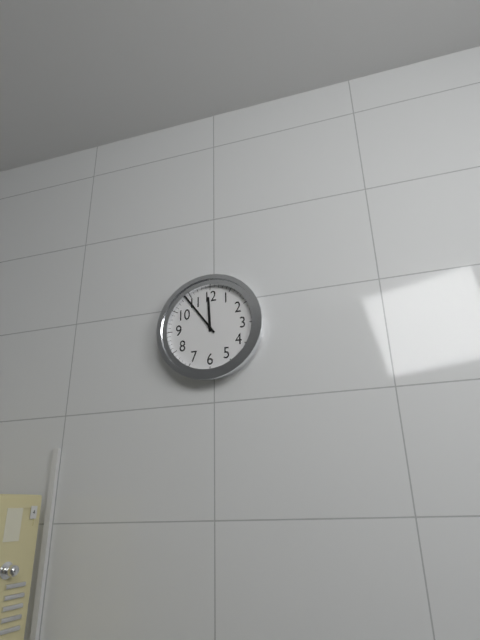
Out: {"hour": 11, "minute": 54}
